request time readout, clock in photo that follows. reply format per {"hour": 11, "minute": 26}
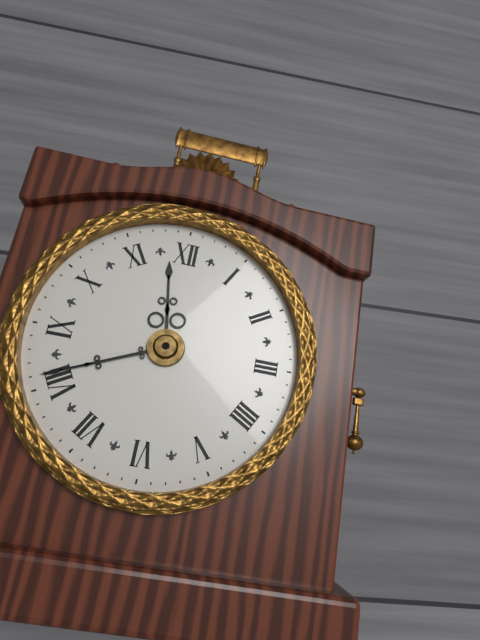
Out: {"hour": 11, "minute": 41}
